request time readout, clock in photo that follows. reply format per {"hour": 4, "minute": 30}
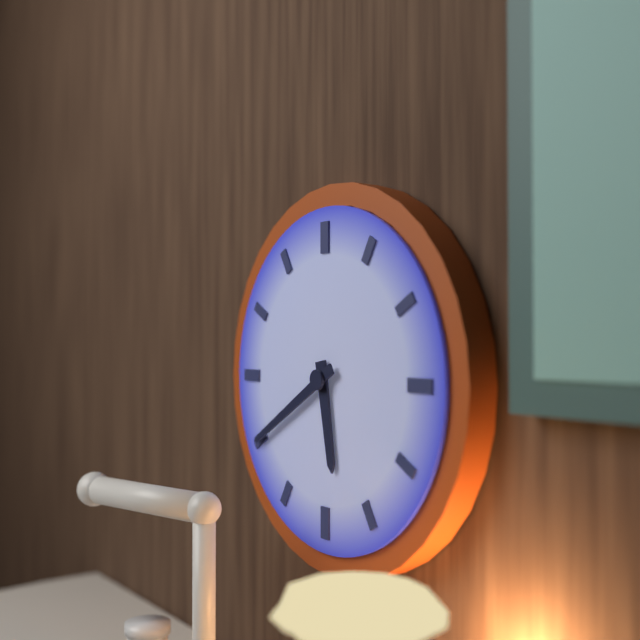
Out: {"hour": 5, "minute": 40}
